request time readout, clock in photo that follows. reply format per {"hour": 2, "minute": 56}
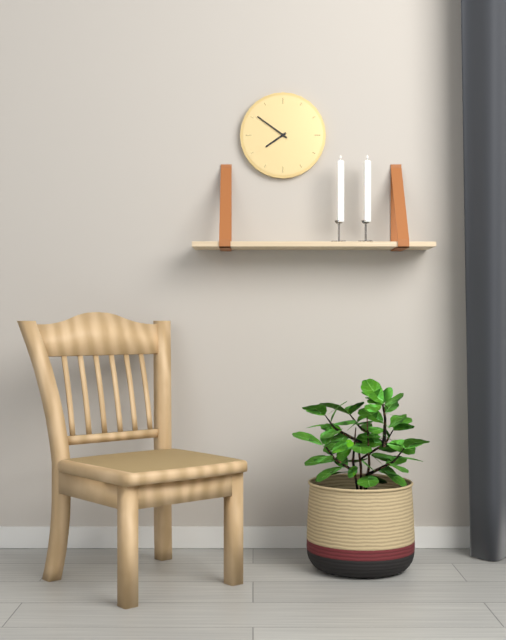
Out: {"hour": 7, "minute": 51}
